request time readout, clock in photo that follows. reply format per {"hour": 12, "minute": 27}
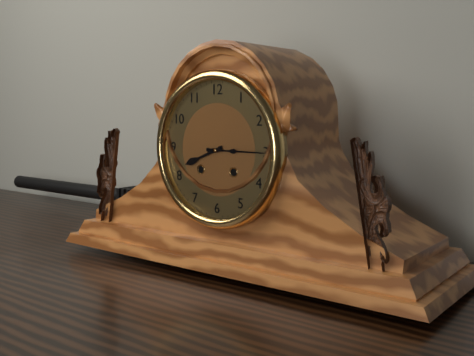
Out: {"hour": 8, "minute": 15}
